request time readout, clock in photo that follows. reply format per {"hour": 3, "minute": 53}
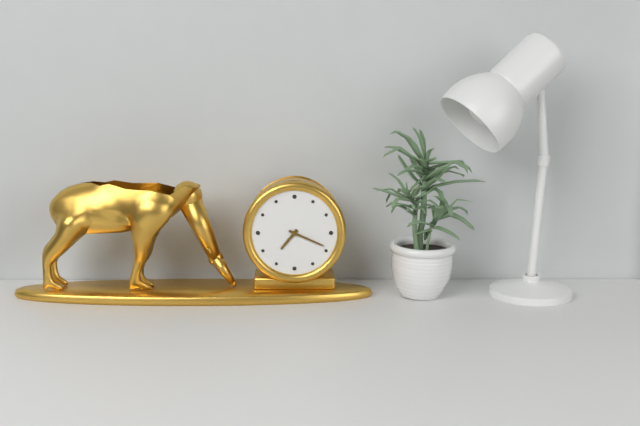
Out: {"hour": 7, "minute": 19}
